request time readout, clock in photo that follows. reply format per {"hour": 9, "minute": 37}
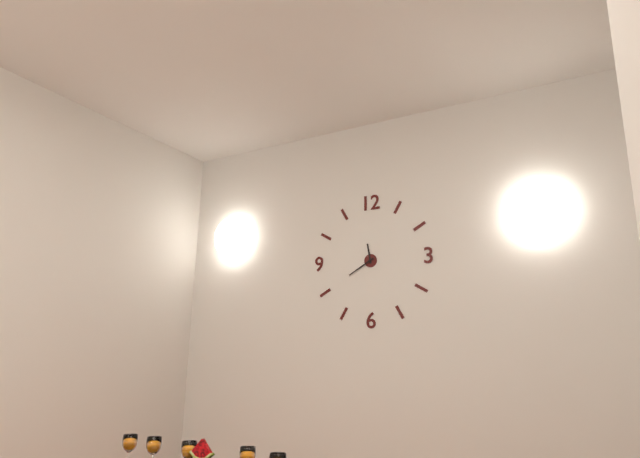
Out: {"hour": 11, "minute": 40}
